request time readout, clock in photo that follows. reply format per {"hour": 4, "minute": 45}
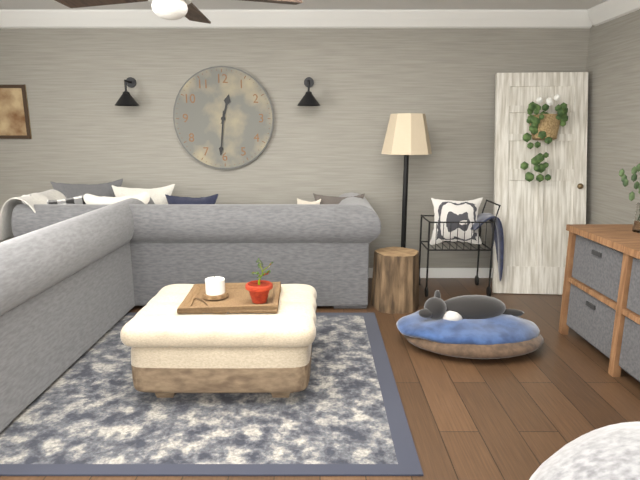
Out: {"hour": 12, "minute": 31}
